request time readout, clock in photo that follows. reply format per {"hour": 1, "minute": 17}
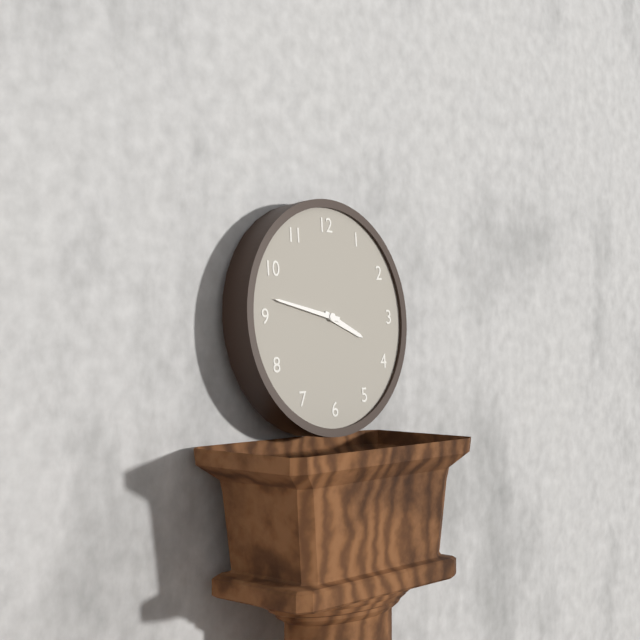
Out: {"hour": 3, "minute": 47}
